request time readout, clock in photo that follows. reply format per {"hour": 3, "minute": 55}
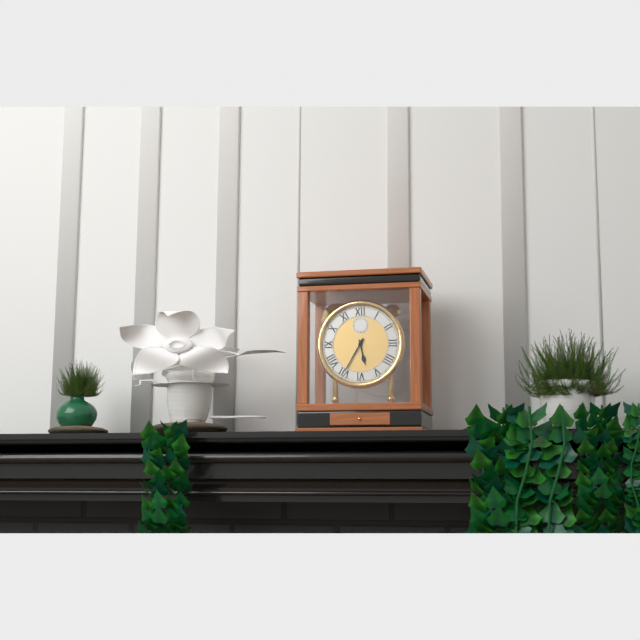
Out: {"hour": 5, "minute": 35}
